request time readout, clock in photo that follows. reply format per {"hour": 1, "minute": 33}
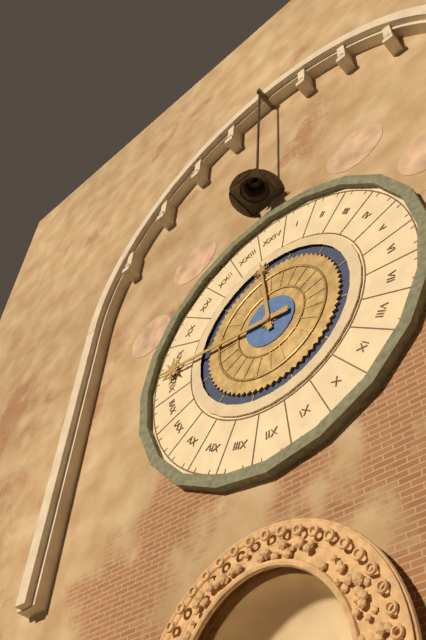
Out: {"hour": 11, "minute": 46}
